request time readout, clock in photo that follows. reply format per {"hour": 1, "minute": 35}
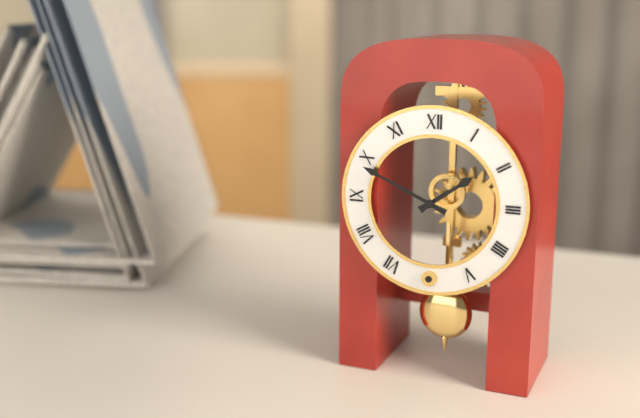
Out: {"hour": 1, "minute": 49}
